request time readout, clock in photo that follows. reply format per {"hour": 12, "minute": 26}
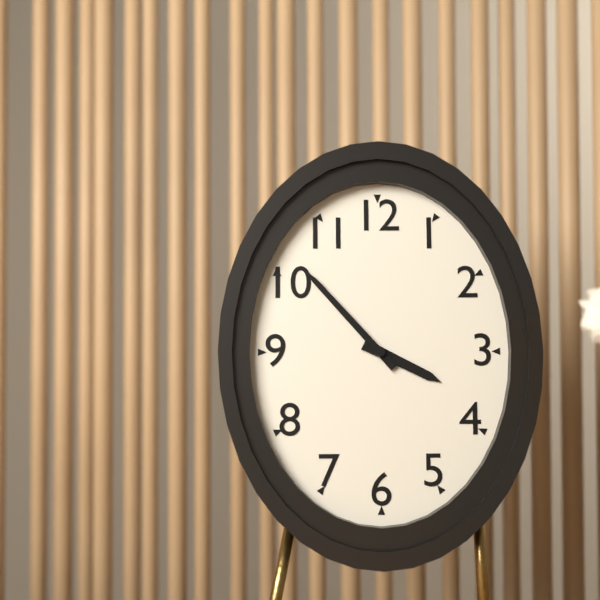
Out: {"hour": 3, "minute": 53}
